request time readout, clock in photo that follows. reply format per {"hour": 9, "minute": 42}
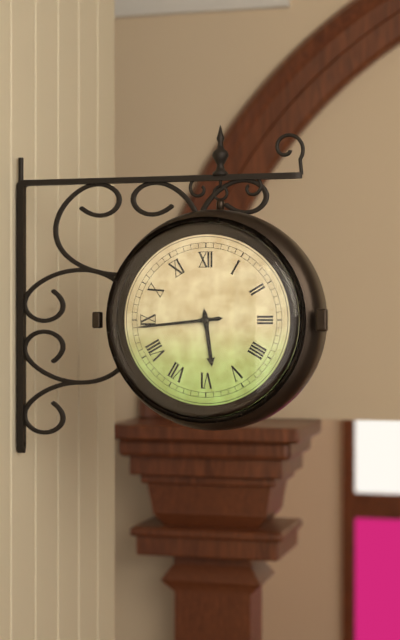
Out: {"hour": 5, "minute": 44}
